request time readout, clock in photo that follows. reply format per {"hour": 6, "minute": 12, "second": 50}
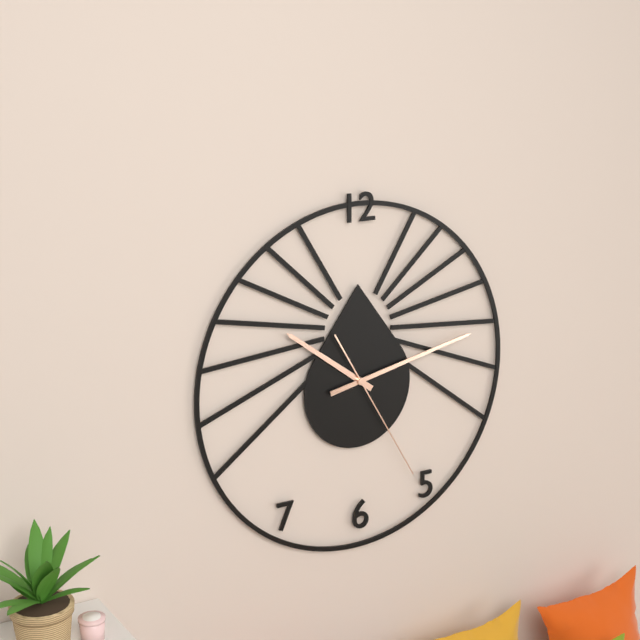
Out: {"hour": 10, "minute": 13, "second": 25}
